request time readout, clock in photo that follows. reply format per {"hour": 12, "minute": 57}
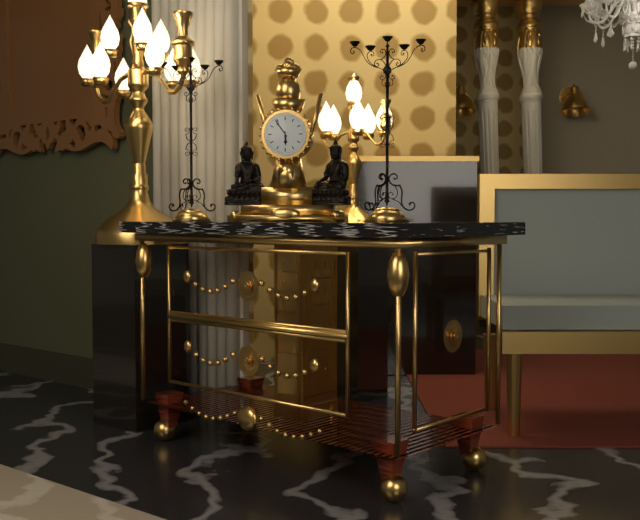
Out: {"hour": 5, "minute": 54}
